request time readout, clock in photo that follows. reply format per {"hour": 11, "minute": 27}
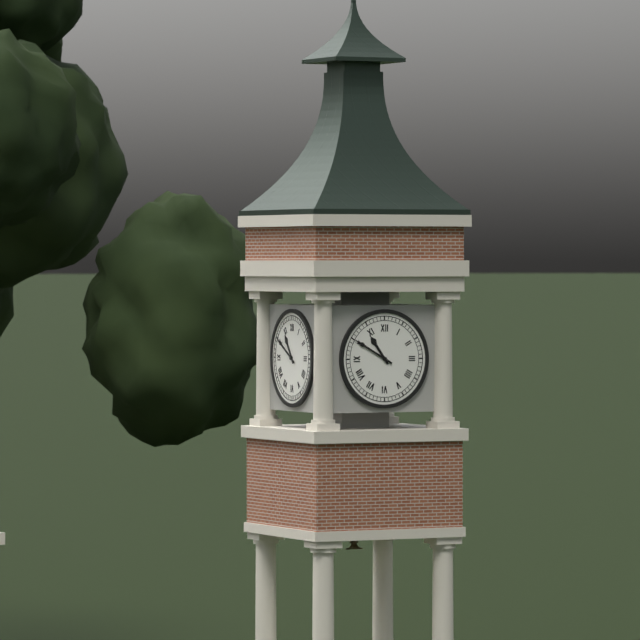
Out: {"hour": 10, "minute": 50}
